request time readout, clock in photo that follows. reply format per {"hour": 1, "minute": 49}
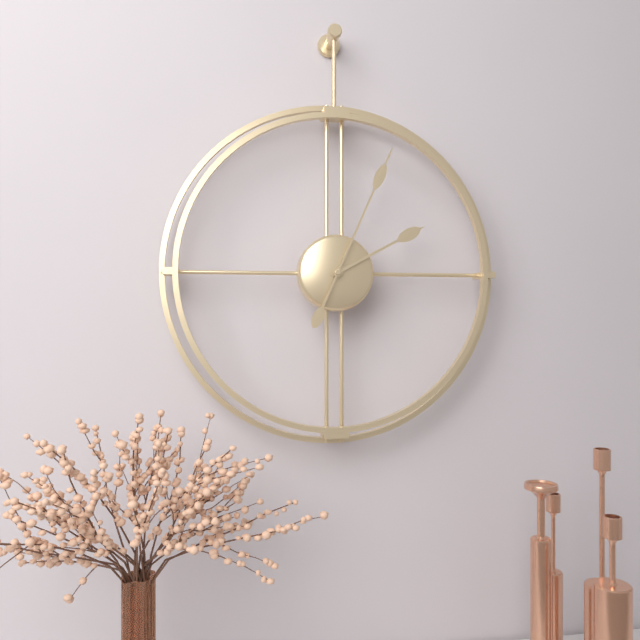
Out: {"hour": 2, "minute": 4}
